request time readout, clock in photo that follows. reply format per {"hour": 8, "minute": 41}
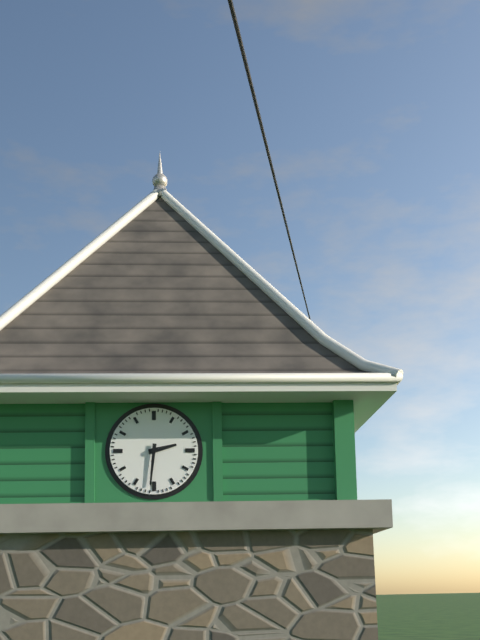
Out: {"hour": 2, "minute": 31}
